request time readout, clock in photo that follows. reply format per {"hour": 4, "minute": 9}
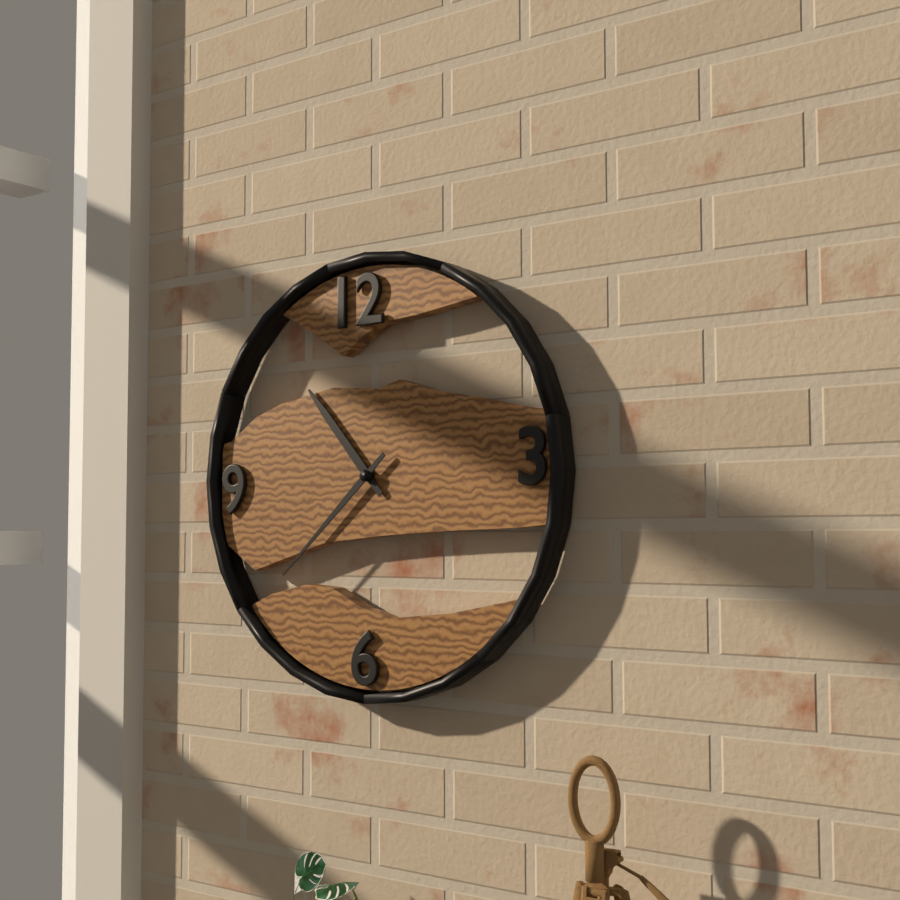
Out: {"hour": 10, "minute": 38}
